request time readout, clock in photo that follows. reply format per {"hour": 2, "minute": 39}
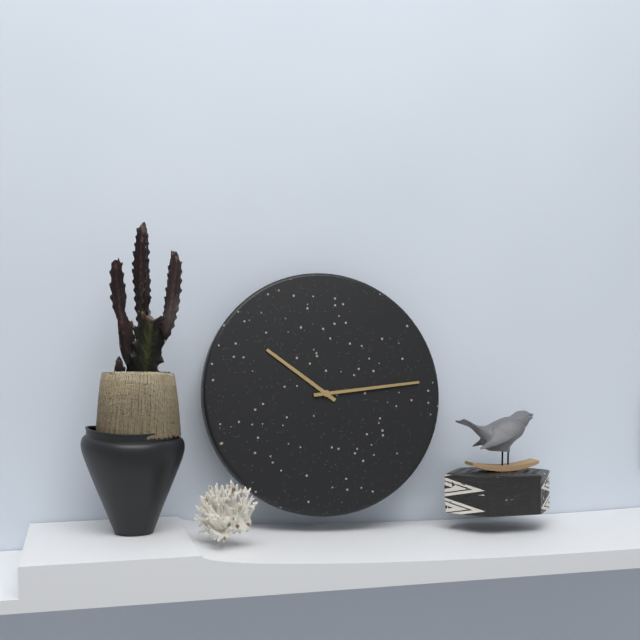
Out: {"hour": 10, "minute": 14}
